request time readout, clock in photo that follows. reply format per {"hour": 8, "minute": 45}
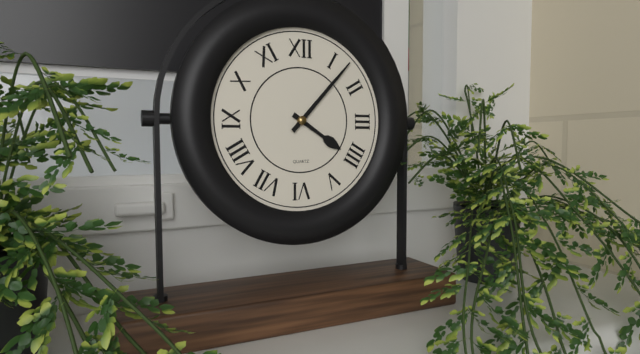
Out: {"hour": 4, "minute": 7}
